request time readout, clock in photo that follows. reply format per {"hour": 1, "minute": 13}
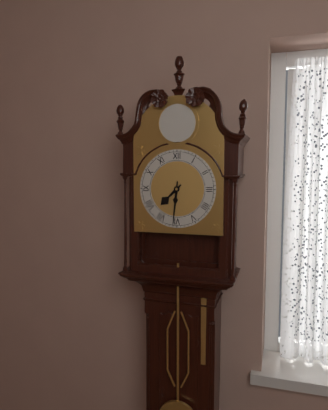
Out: {"hour": 7, "minute": 31}
